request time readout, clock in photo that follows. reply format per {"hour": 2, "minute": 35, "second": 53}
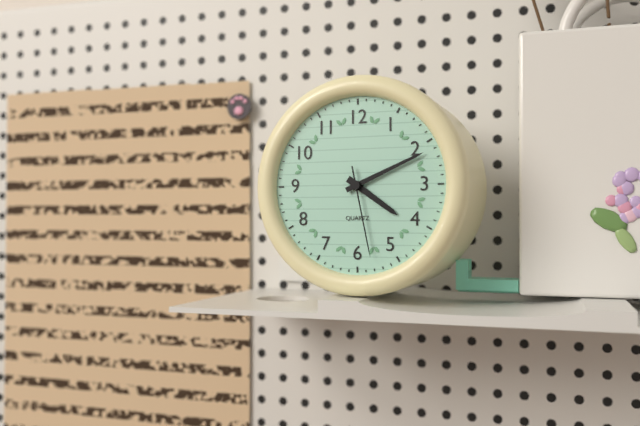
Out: {"hour": 4, "minute": 11, "second": 28}
